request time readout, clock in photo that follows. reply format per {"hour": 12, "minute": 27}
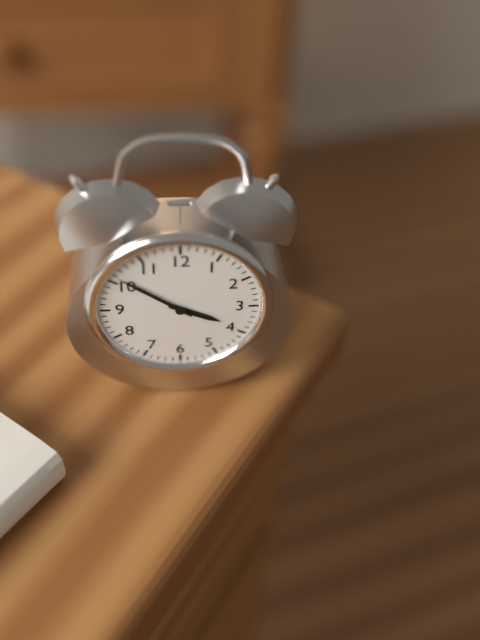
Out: {"hour": 3, "minute": 51}
